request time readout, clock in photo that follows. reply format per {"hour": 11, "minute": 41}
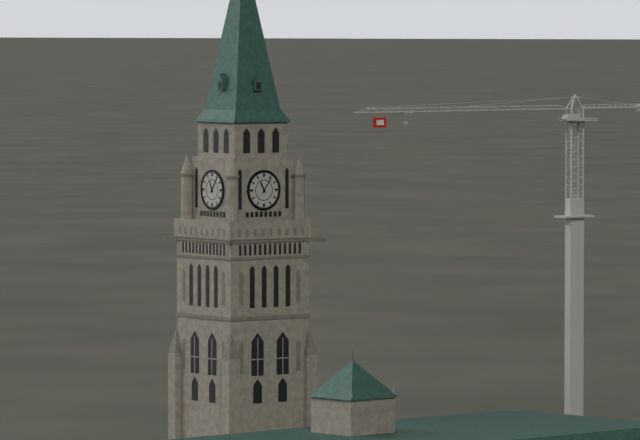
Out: {"hour": 11, "minute": 6}
